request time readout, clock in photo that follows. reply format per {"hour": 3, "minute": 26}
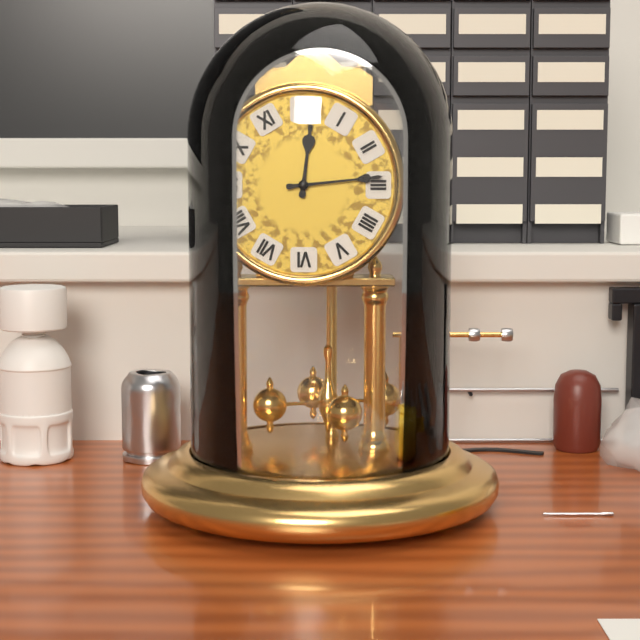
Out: {"hour": 12, "minute": 14}
